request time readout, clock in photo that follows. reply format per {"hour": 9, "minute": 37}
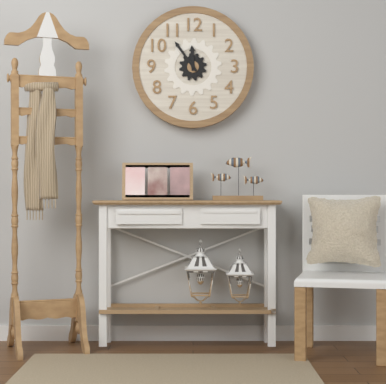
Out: {"hour": 11, "minute": 54}
